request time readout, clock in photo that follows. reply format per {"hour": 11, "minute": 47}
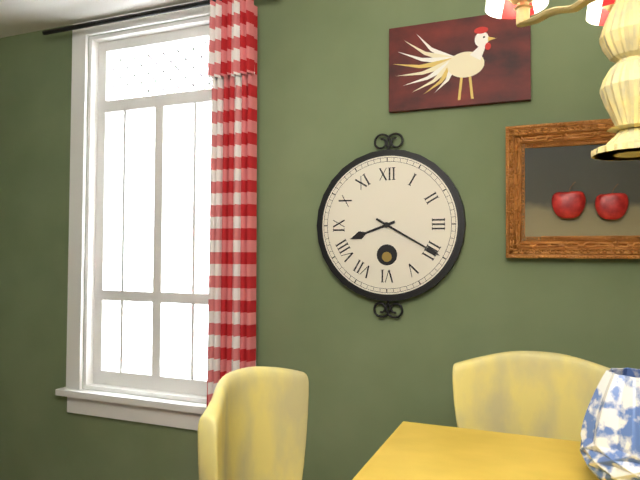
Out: {"hour": 8, "minute": 20}
